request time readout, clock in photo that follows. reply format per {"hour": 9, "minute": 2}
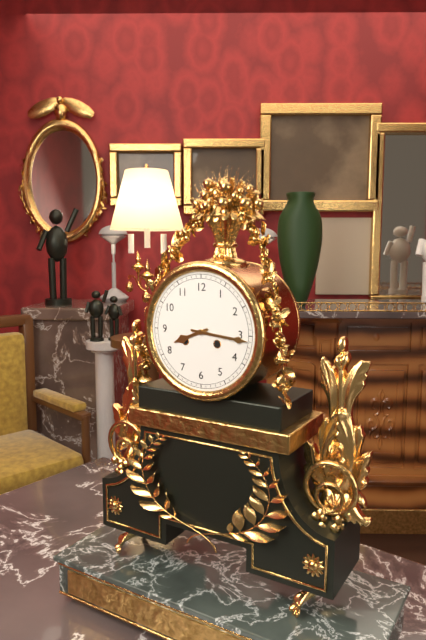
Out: {"hour": 8, "minute": 16}
